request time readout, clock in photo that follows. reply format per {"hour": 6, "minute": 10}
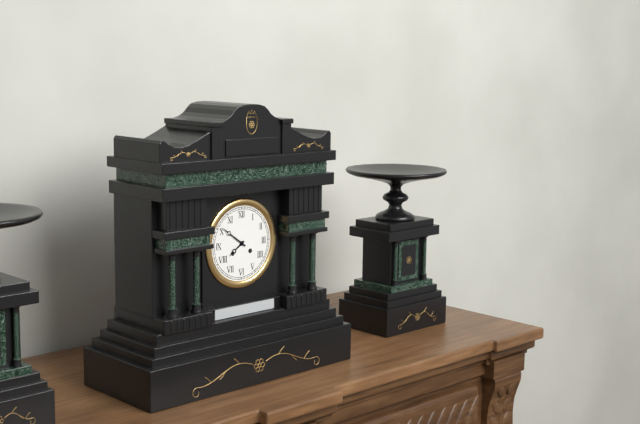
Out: {"hour": 7, "minute": 51}
